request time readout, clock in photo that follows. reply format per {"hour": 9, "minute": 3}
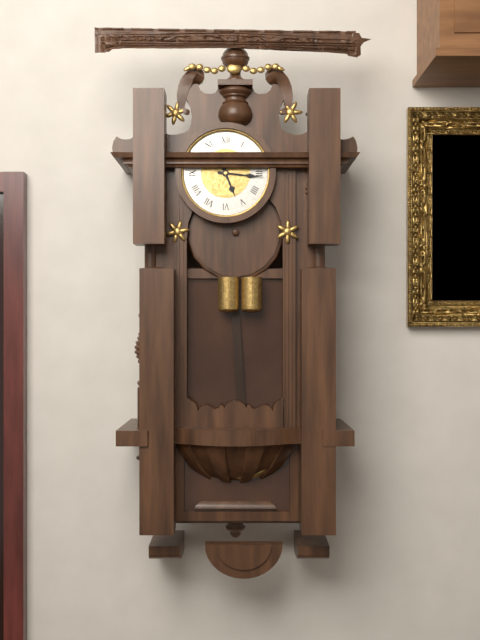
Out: {"hour": 5, "minute": 16}
